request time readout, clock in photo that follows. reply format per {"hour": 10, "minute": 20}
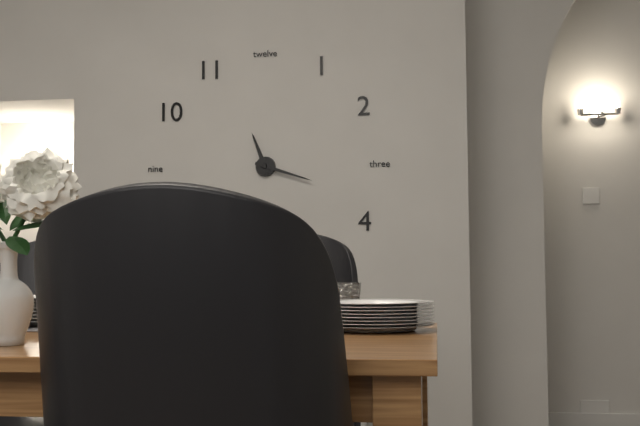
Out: {"hour": 11, "minute": 18}
